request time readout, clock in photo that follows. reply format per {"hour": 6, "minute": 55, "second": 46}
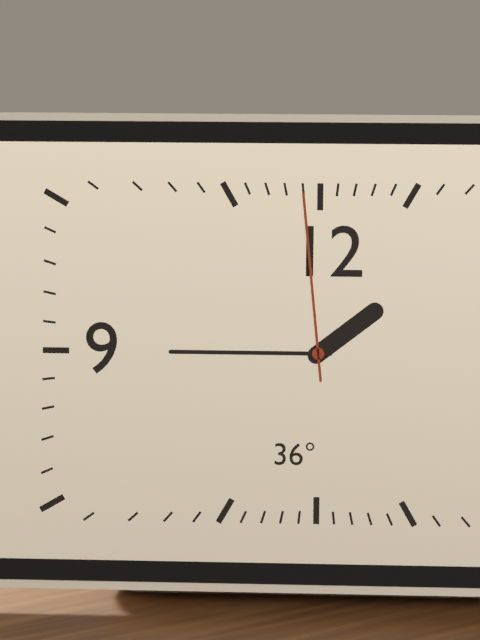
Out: {"hour": 1, "minute": 45, "second": 59}
